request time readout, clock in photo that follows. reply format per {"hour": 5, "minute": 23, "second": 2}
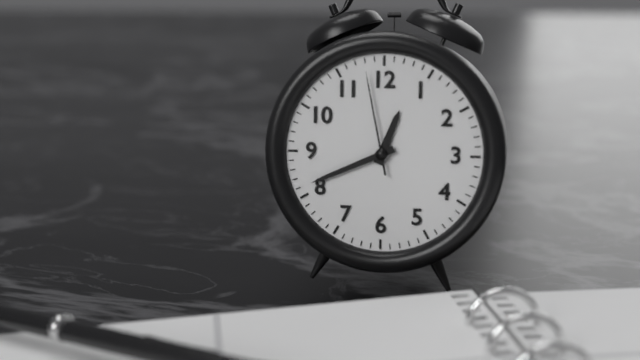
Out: {"hour": 12, "minute": 41, "second": 58}
